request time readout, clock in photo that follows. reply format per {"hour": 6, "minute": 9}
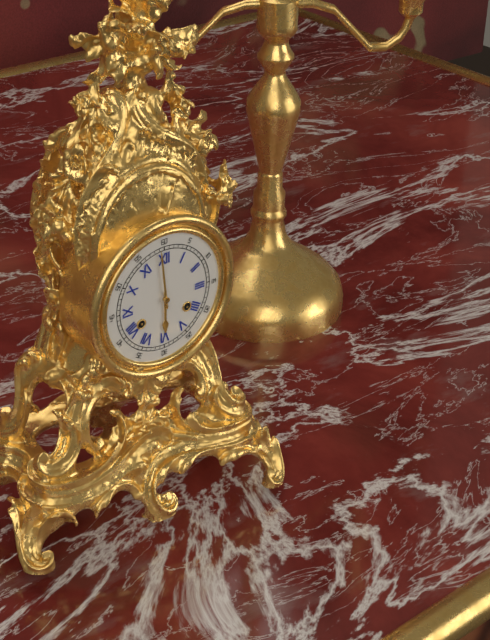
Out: {"hour": 5, "minute": 59}
